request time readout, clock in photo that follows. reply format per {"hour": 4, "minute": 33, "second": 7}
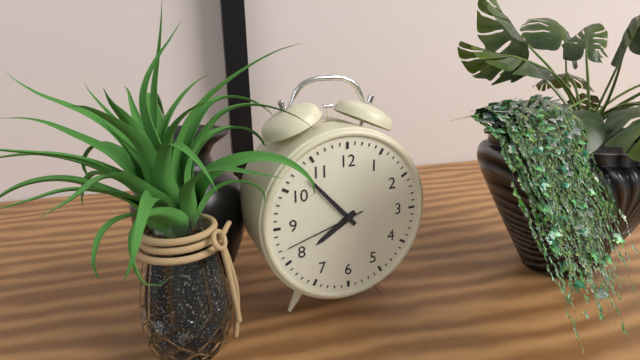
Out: {"hour": 7, "minute": 53, "second": 42}
